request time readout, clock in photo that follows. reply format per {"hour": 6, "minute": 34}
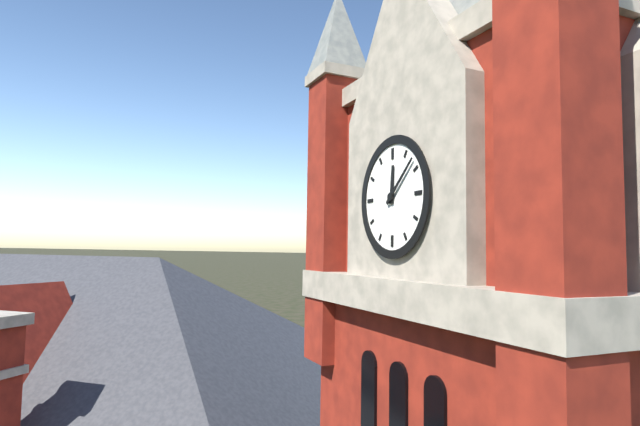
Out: {"hour": 12, "minute": 8}
